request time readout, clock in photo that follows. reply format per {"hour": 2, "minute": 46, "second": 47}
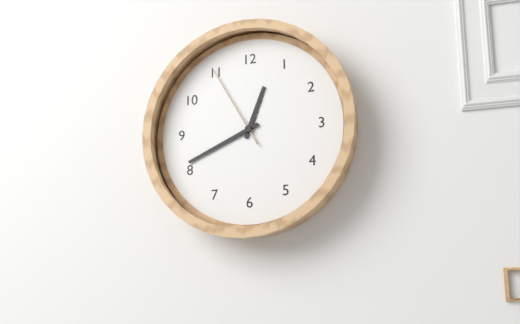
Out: {"hour": 12, "minute": 41, "second": 55}
